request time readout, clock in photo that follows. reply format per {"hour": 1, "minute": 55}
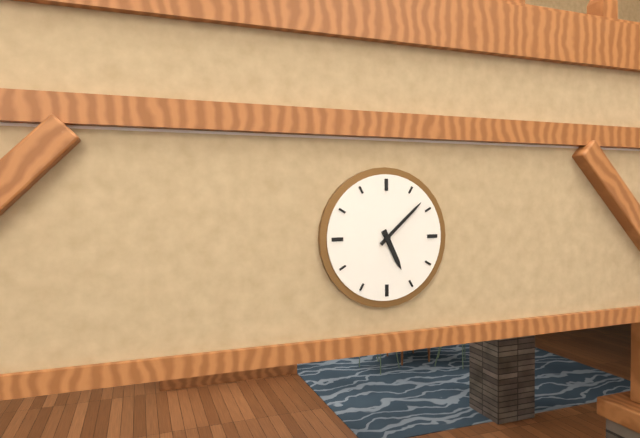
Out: {"hour": 5, "minute": 8}
